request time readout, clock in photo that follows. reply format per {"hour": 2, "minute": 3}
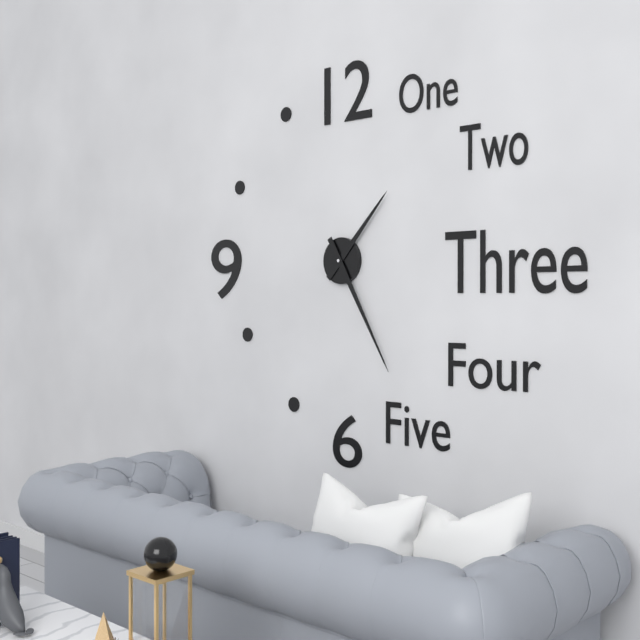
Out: {"hour": 1, "minute": 25}
